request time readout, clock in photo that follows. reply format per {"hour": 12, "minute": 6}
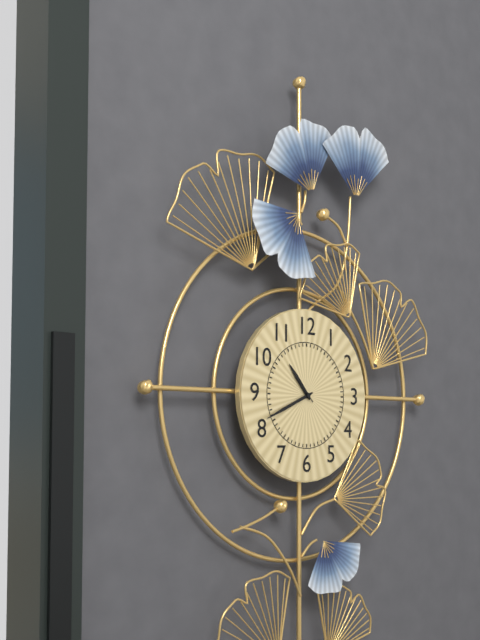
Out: {"hour": 10, "minute": 41}
